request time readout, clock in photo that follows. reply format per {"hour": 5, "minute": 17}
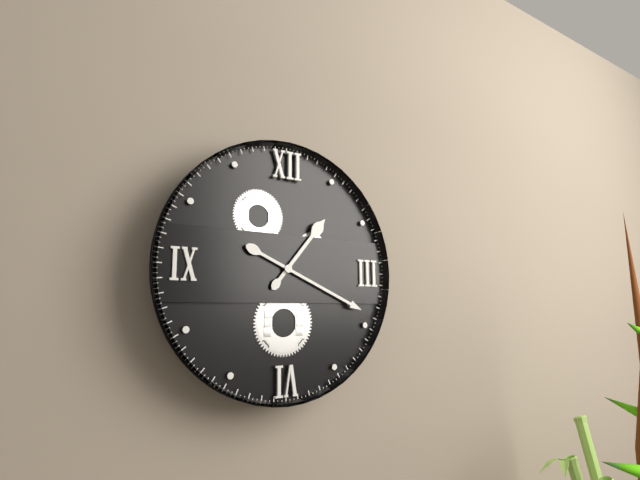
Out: {"hour": 1, "minute": 19}
